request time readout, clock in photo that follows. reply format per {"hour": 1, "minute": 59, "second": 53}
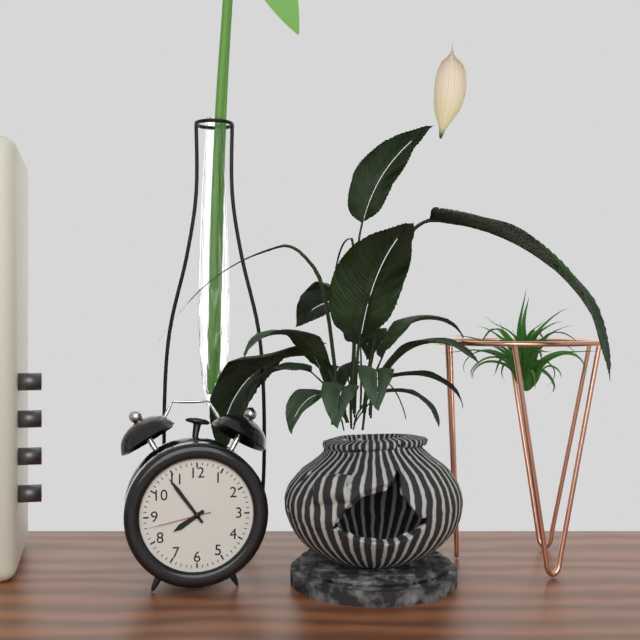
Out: {"hour": 7, "minute": 54, "second": 43}
